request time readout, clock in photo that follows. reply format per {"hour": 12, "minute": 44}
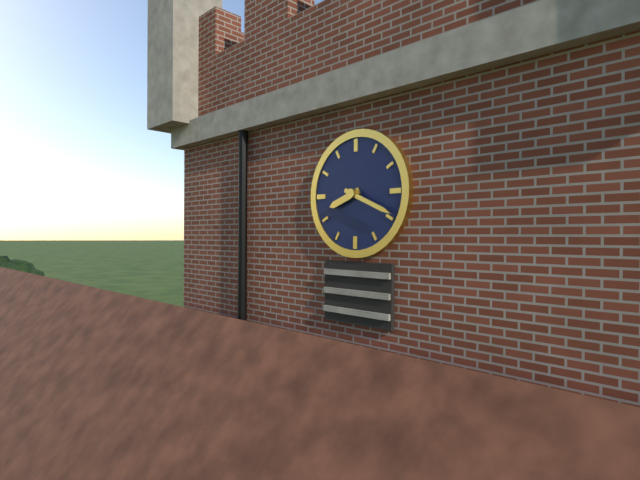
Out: {"hour": 8, "minute": 19}
